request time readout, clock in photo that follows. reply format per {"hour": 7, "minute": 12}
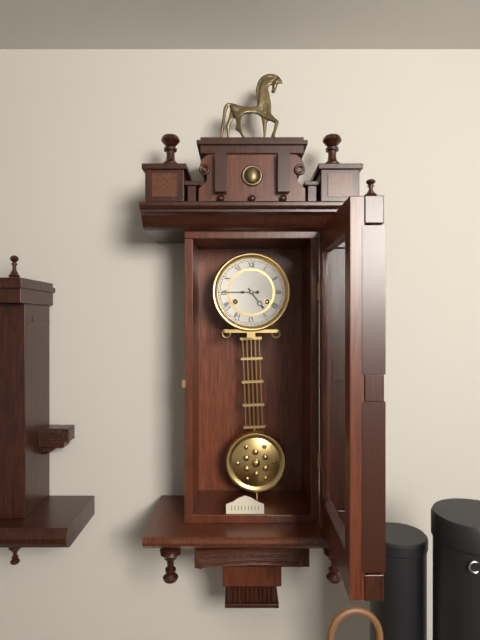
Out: {"hour": 4, "minute": 45}
